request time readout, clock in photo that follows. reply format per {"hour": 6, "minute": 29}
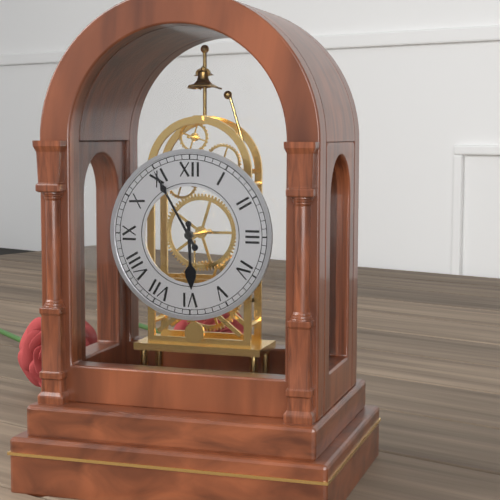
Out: {"hour": 5, "minute": 55}
